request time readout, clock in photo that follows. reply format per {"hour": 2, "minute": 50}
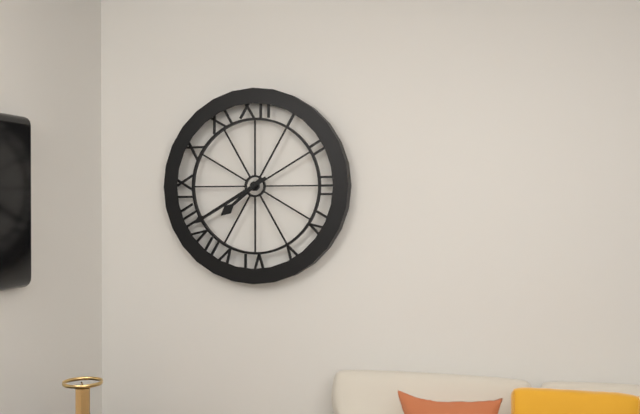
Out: {"hour": 7, "minute": 40}
